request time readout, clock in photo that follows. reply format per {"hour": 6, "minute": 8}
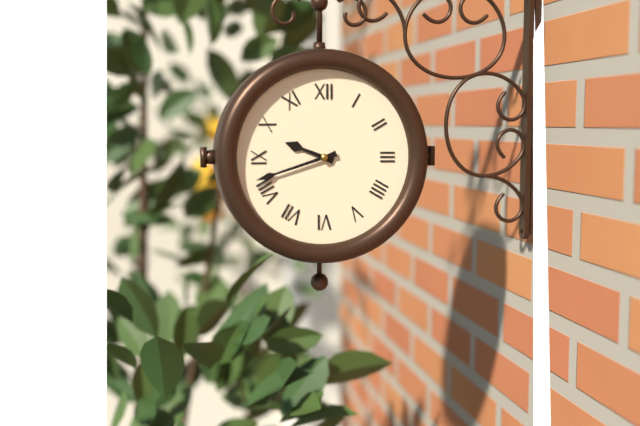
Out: {"hour": 9, "minute": 42}
